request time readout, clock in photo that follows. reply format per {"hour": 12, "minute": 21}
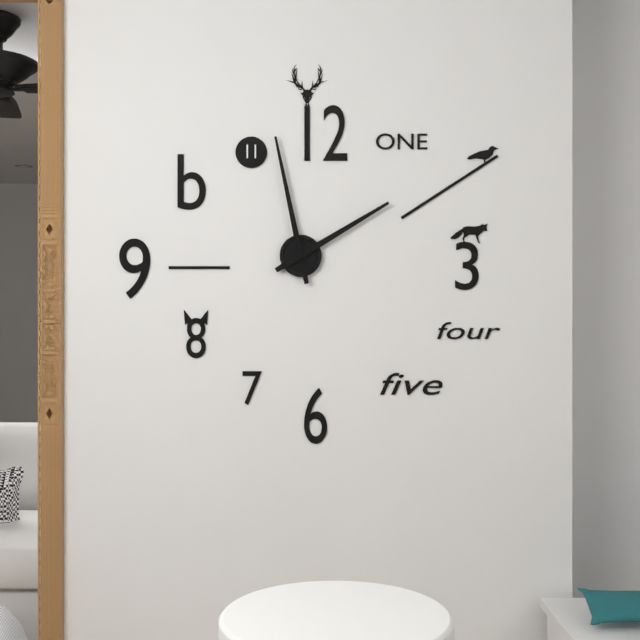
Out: {"hour": 1, "minute": 58}
